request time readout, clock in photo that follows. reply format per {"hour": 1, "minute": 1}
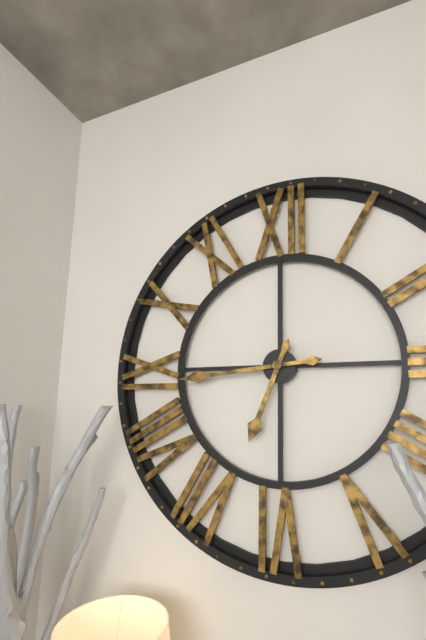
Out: {"hour": 6, "minute": 44}
